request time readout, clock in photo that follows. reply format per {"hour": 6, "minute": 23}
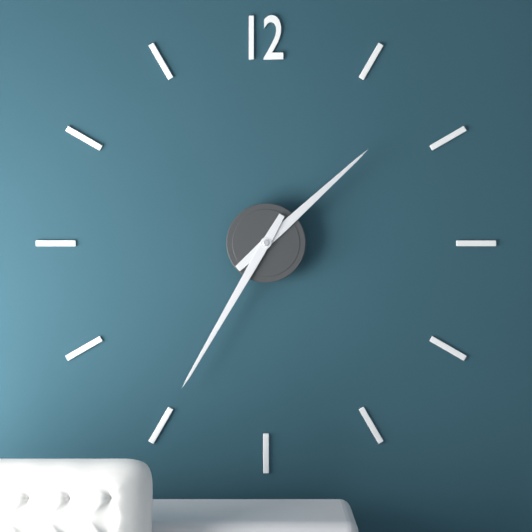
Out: {"hour": 1, "minute": 35}
